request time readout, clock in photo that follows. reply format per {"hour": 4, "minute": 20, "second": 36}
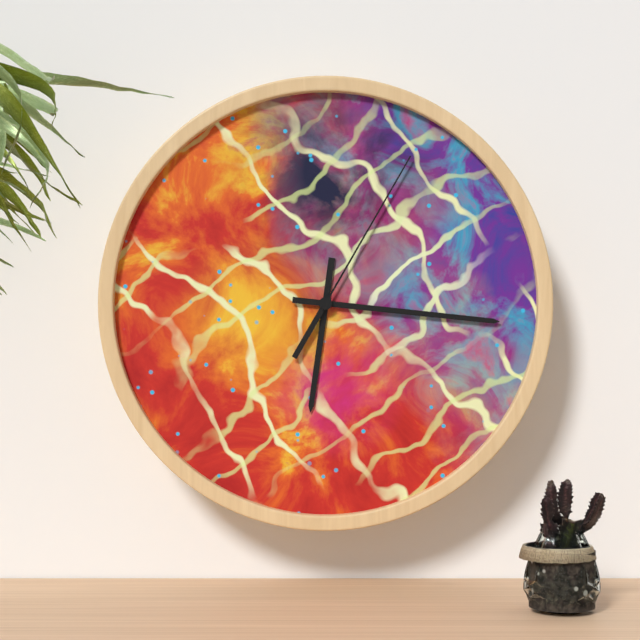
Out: {"hour": 6, "minute": 16, "second": 5}
